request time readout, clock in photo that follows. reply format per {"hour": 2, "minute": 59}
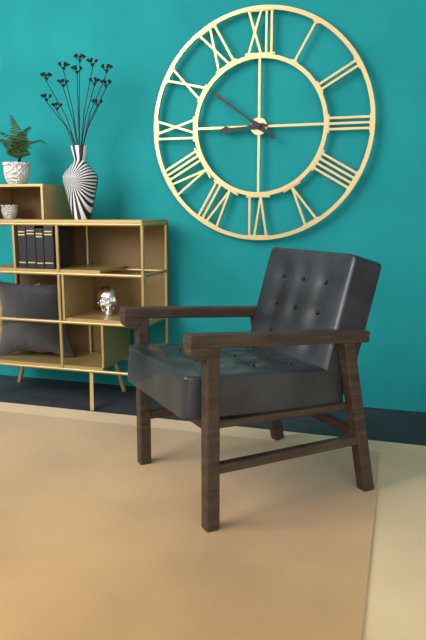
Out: {"hour": 8, "minute": 51}
